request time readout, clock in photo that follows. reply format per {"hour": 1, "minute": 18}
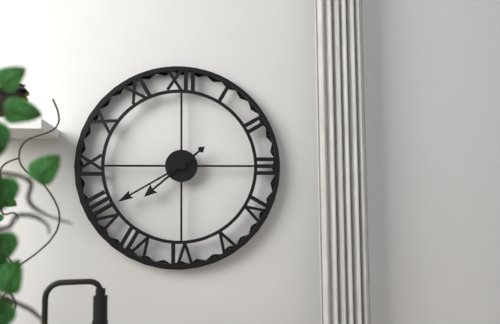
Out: {"hour": 7, "minute": 40}
